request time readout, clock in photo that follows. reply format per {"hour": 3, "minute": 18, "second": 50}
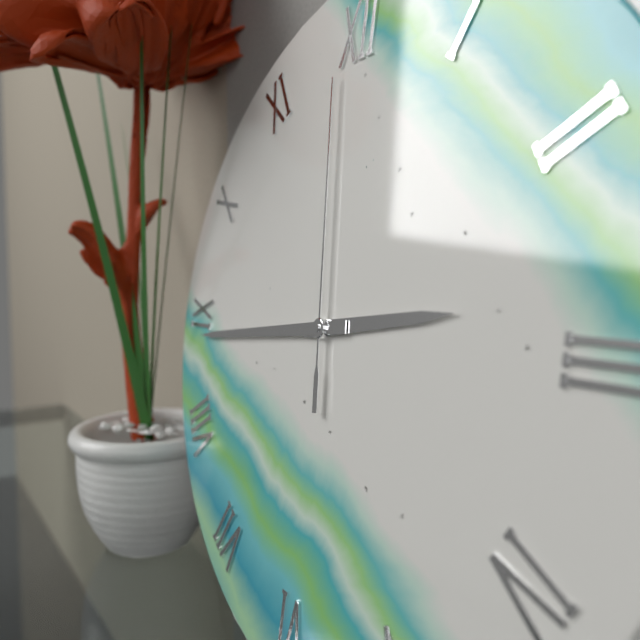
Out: {"hour": 2, "minute": 44, "second": 59}
